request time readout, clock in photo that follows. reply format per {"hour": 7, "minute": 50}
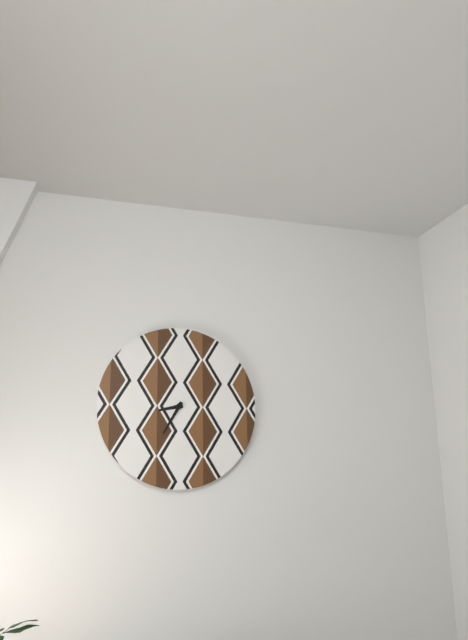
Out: {"hour": 8, "minute": 35}
